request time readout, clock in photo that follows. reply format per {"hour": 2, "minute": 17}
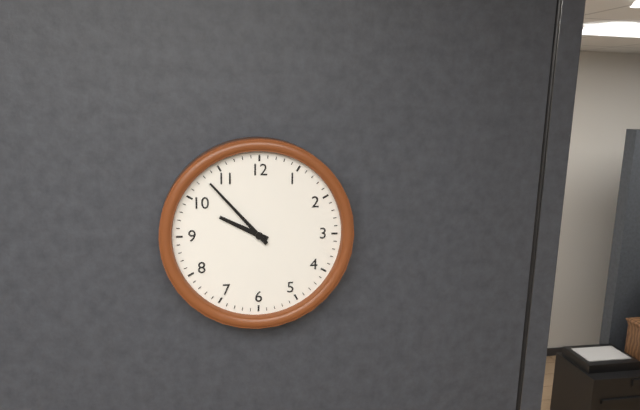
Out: {"hour": 9, "minute": 53}
